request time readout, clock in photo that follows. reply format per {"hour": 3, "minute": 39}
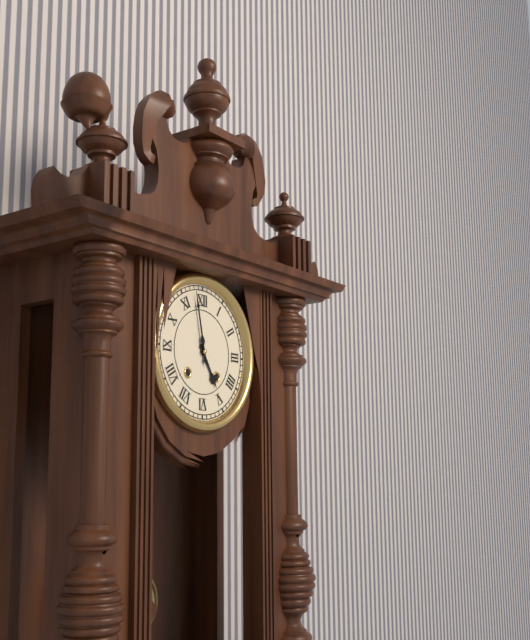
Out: {"hour": 4, "minute": 58}
